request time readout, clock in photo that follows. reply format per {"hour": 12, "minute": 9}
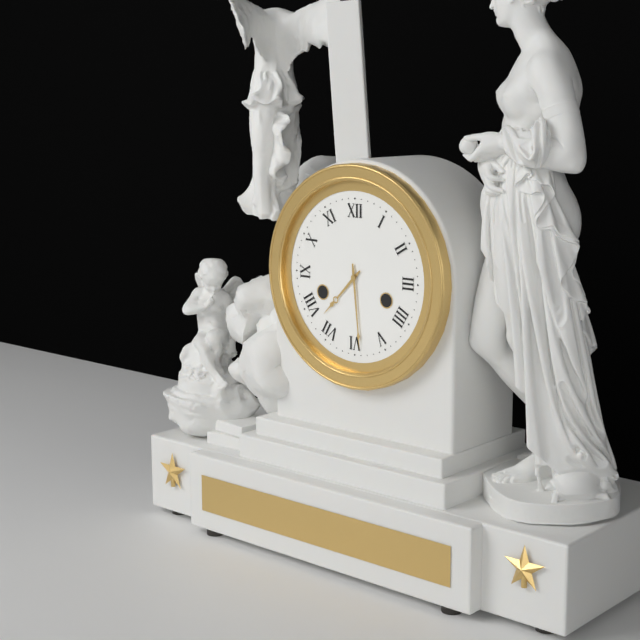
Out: {"hour": 7, "minute": 29}
